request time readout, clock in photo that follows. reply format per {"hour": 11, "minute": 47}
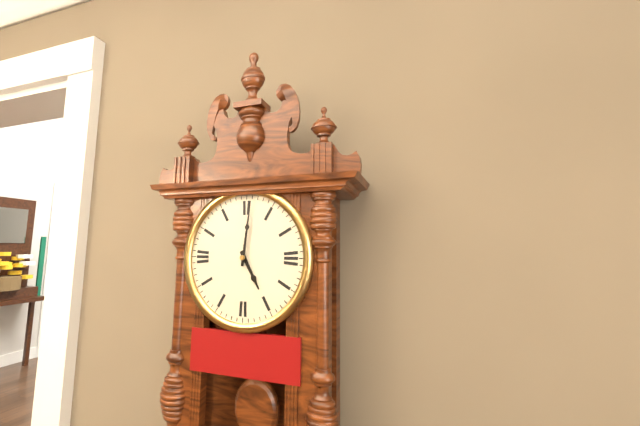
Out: {"hour": 5, "minute": 1}
